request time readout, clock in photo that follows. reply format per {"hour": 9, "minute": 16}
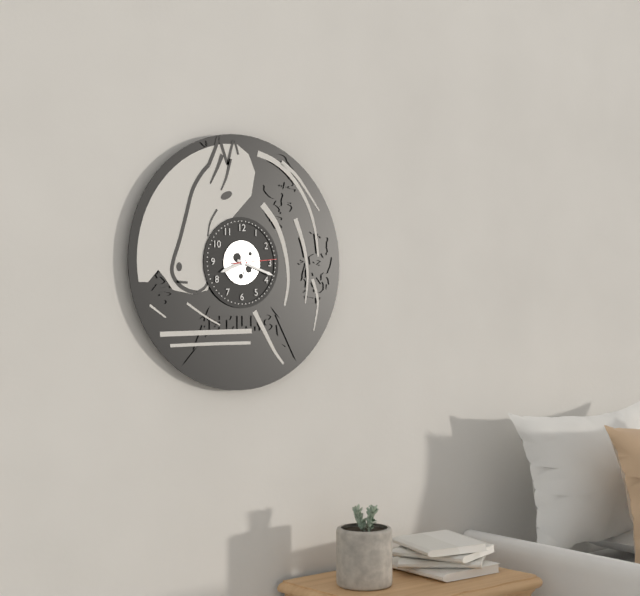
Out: {"hour": 8, "minute": 18}
